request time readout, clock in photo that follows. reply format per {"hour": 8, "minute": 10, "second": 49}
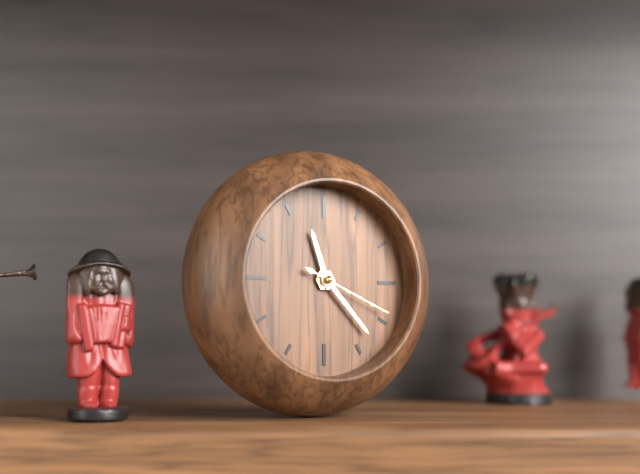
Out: {"hour": 11, "minute": 23, "second": 19}
